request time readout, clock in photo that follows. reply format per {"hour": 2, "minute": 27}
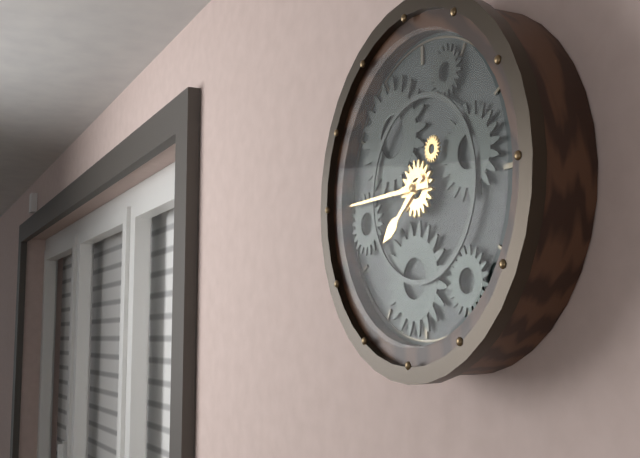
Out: {"hour": 7, "minute": 45}
